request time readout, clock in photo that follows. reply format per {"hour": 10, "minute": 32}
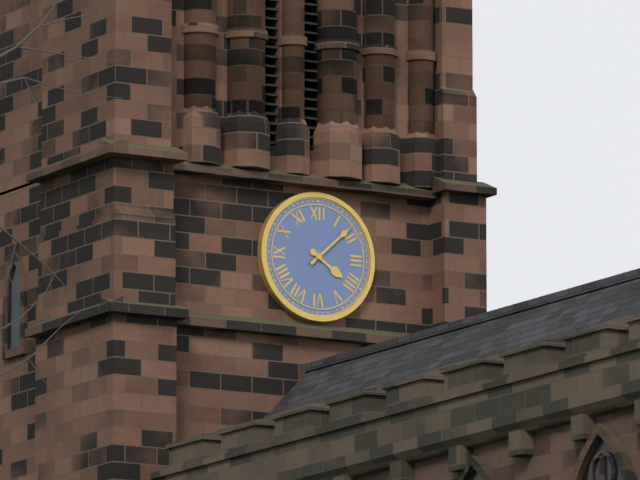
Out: {"hour": 4, "minute": 8}
